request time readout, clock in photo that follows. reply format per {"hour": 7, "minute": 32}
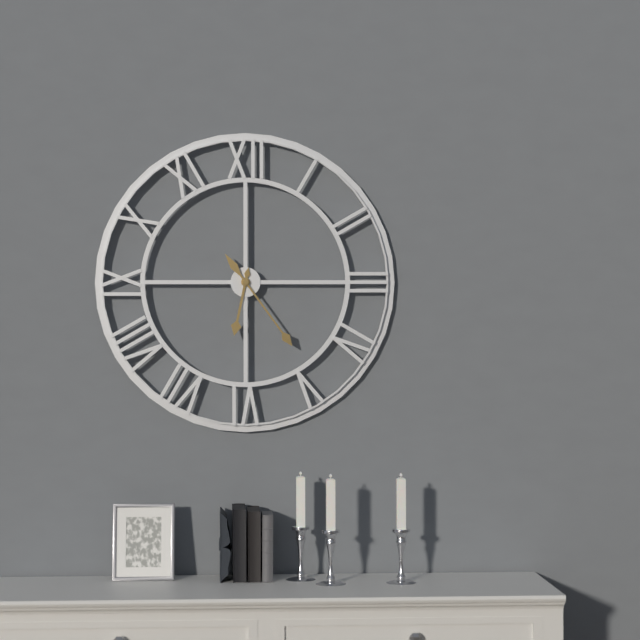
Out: {"hour": 6, "minute": 24}
